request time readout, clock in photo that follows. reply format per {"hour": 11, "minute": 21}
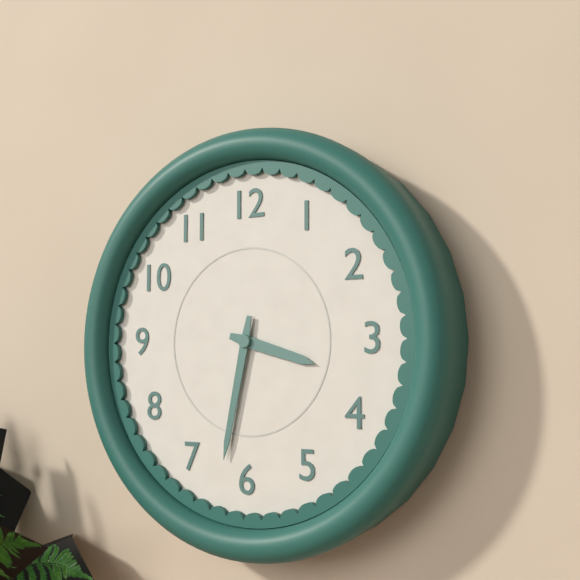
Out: {"hour": 3, "minute": 32}
